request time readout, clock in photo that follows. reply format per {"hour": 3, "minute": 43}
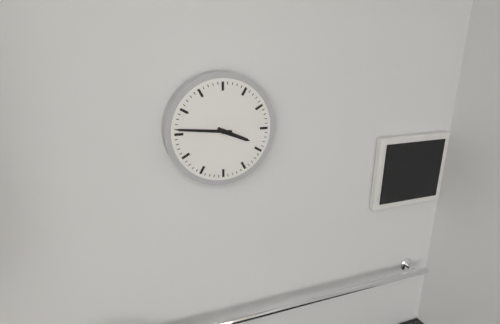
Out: {"hour": 3, "minute": 46}
